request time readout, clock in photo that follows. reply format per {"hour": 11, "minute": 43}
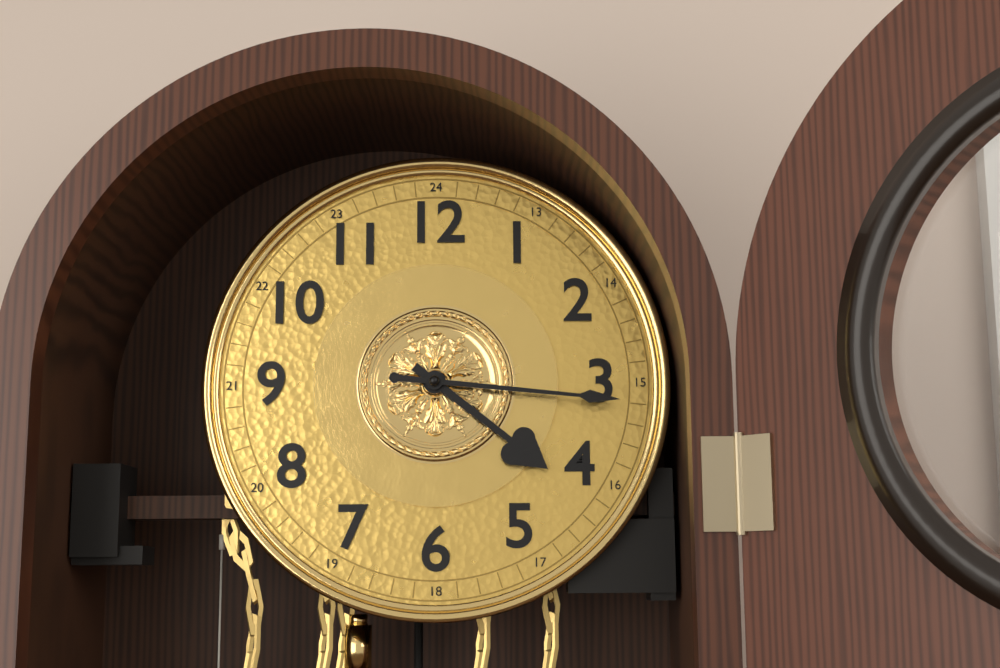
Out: {"hour": 4, "minute": 16}
